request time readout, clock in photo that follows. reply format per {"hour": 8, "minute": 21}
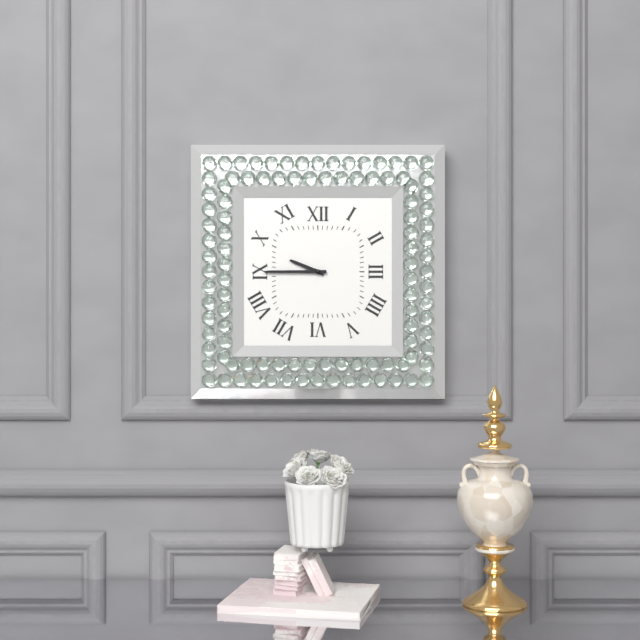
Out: {"hour": 9, "minute": 45}
